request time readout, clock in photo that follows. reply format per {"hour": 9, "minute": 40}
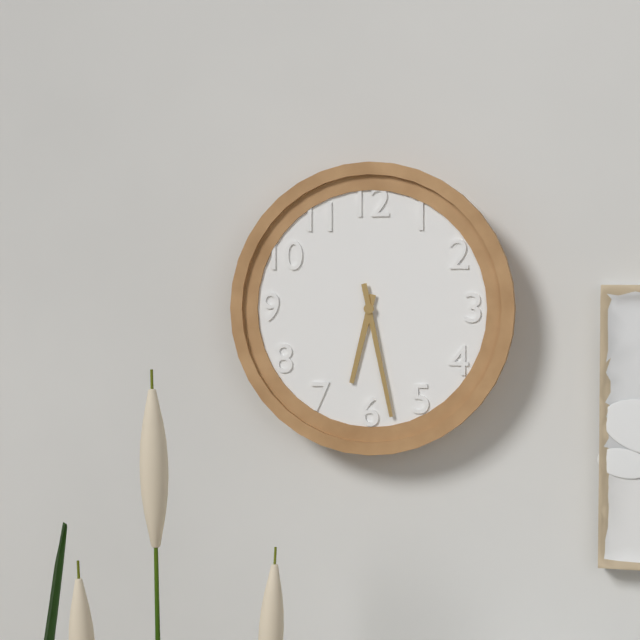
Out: {"hour": 6, "minute": 28}
